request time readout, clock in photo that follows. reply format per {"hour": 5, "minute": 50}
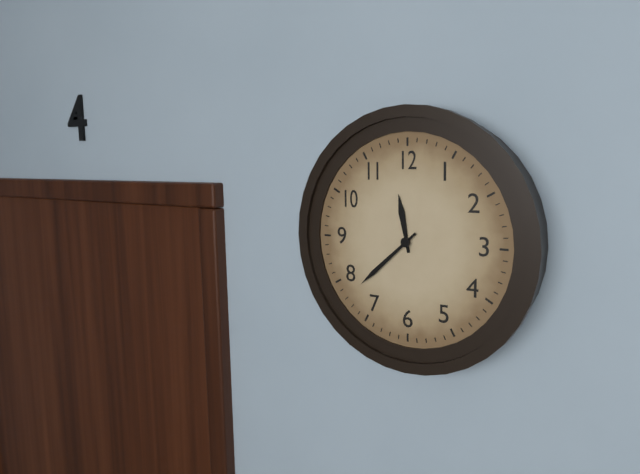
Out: {"hour": 11, "minute": 38}
